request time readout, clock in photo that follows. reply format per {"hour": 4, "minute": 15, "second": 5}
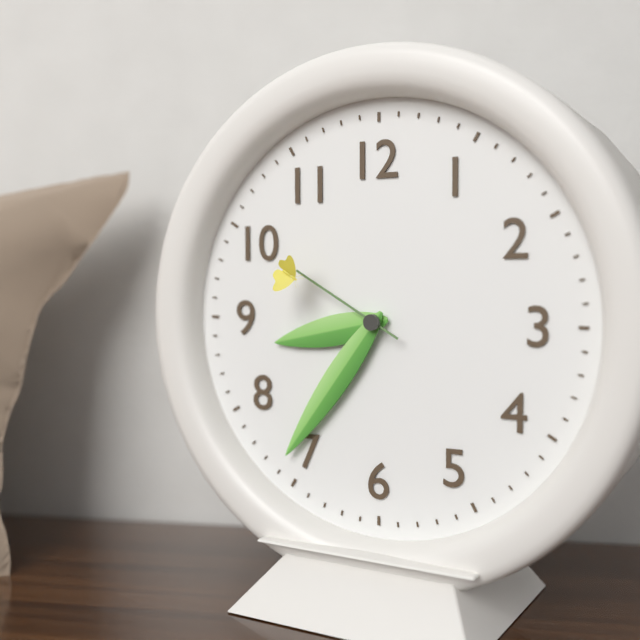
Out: {"hour": 8, "minute": 36, "second": 50}
